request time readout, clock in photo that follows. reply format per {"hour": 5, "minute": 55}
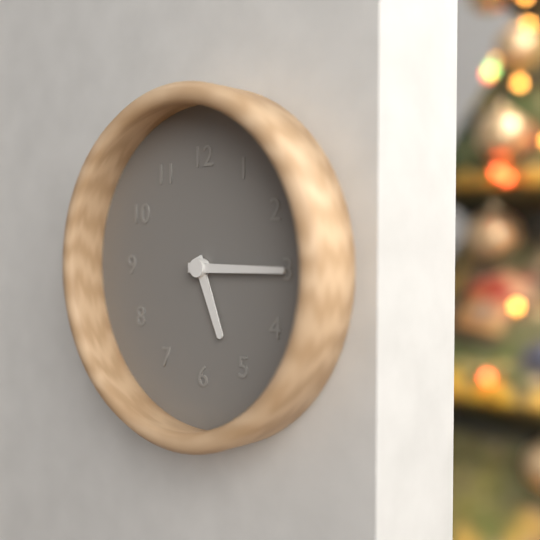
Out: {"hour": 5, "minute": 15}
